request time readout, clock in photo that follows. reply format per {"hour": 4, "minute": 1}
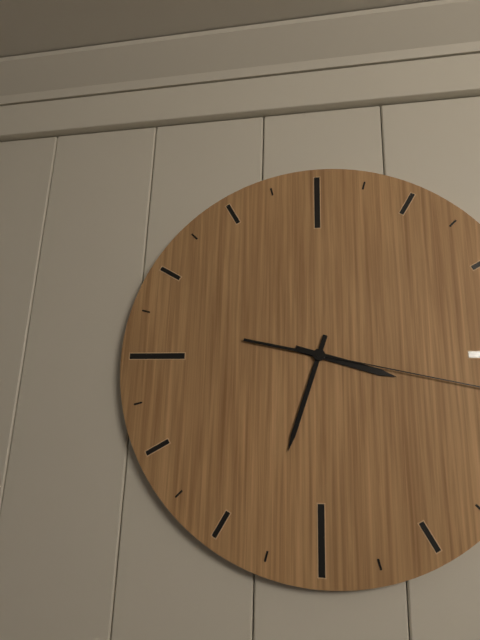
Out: {"hour": 3, "minute": 33}
